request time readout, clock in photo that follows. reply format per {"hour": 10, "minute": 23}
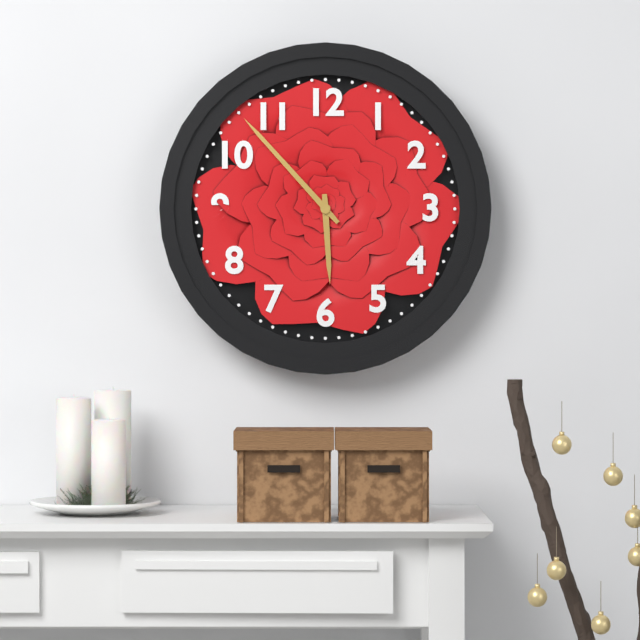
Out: {"hour": 5, "minute": 53}
